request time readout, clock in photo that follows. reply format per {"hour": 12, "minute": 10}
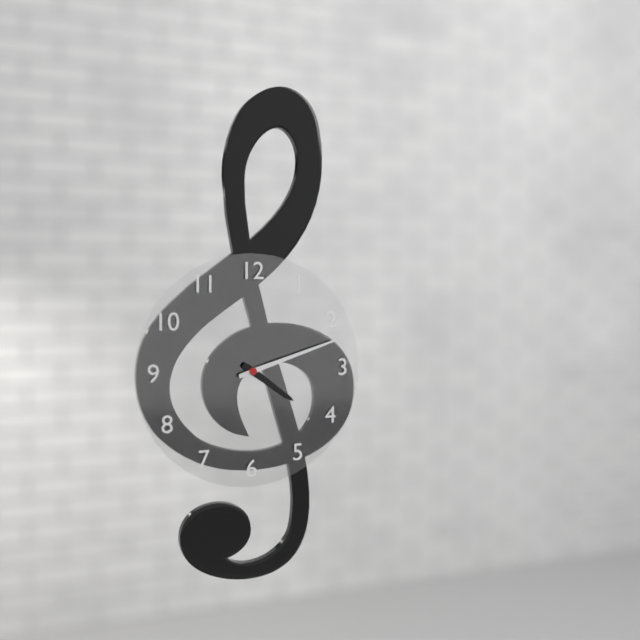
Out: {"hour": 4, "minute": 12}
